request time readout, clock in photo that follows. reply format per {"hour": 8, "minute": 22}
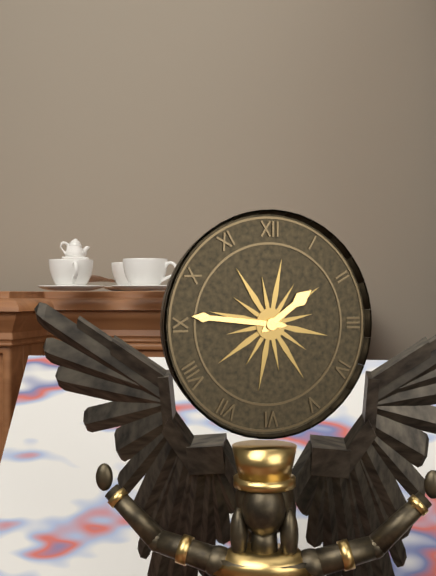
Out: {"hour": 1, "minute": 46}
